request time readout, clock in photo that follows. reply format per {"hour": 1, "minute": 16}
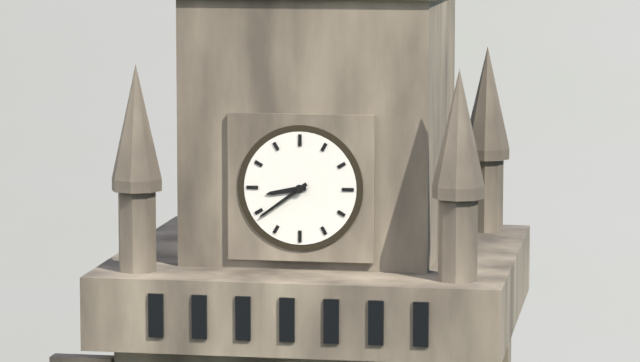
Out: {"hour": 8, "minute": 39}
